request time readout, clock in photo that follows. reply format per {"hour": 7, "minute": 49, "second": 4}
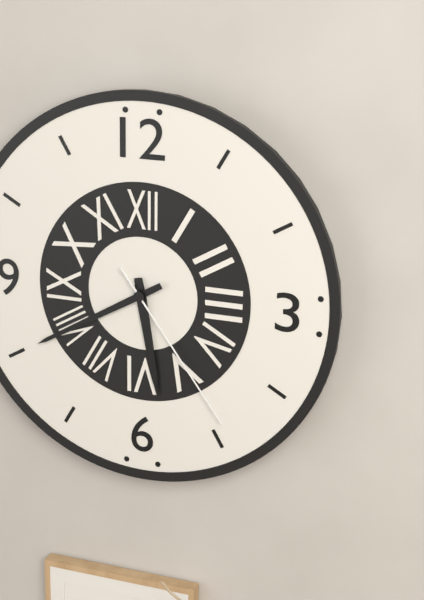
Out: {"hour": 5, "minute": 40, "second": 24}
